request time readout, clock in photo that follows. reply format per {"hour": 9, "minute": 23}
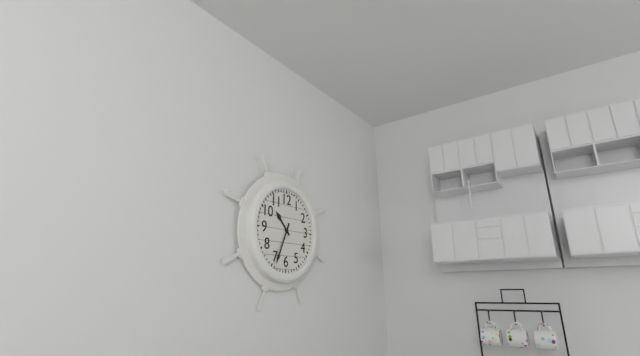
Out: {"hour": 10, "minute": 34}
